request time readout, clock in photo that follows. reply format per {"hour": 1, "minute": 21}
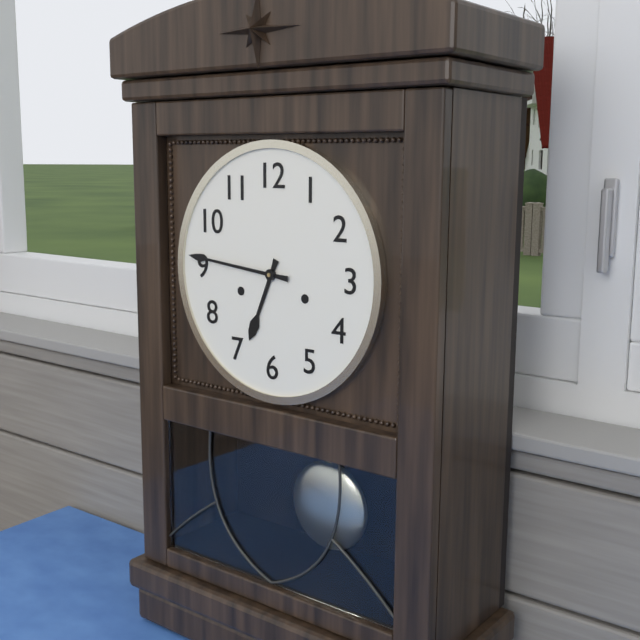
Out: {"hour": 6, "minute": 46}
